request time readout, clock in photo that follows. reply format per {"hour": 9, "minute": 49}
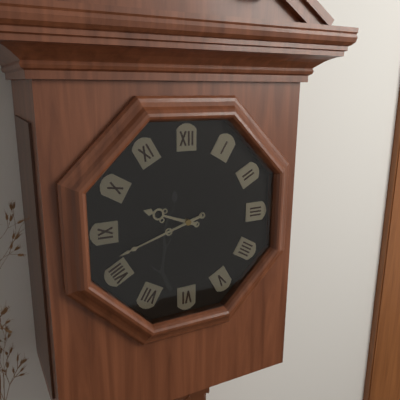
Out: {"hour": 9, "minute": 42}
